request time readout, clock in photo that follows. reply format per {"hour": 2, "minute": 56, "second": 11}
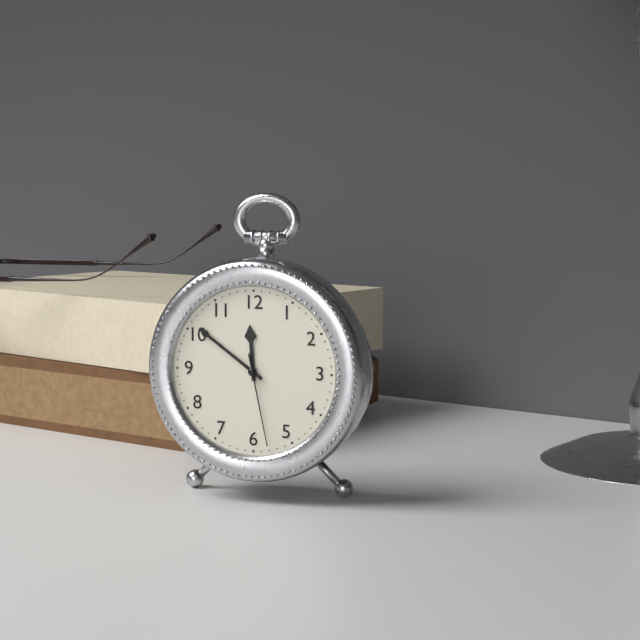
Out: {"hour": 11, "minute": 51, "second": 28}
